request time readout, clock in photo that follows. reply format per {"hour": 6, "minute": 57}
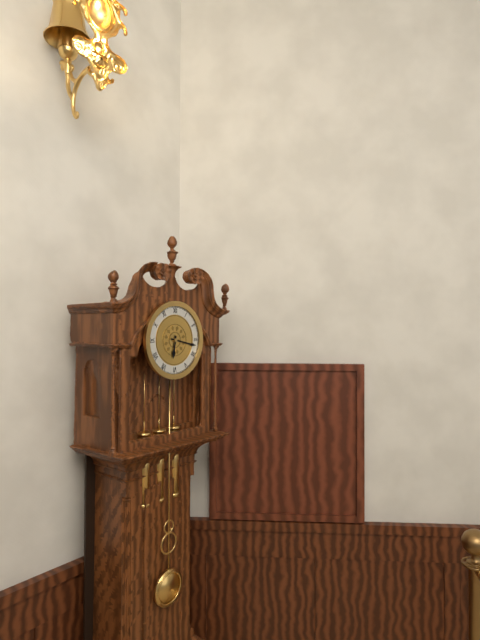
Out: {"hour": 6, "minute": 17}
